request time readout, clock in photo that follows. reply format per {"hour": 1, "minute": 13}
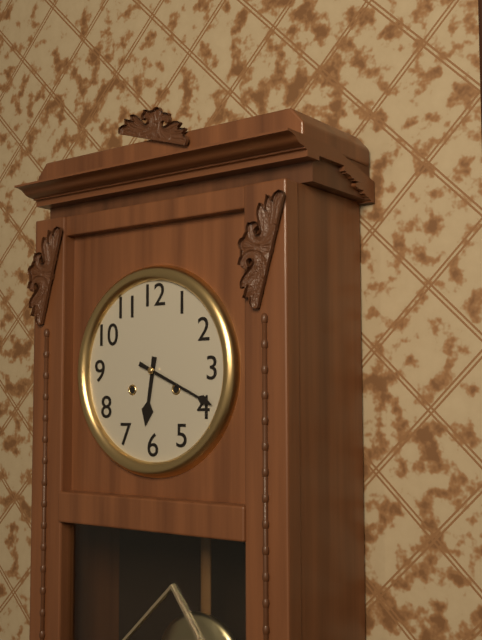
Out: {"hour": 6, "minute": 19}
